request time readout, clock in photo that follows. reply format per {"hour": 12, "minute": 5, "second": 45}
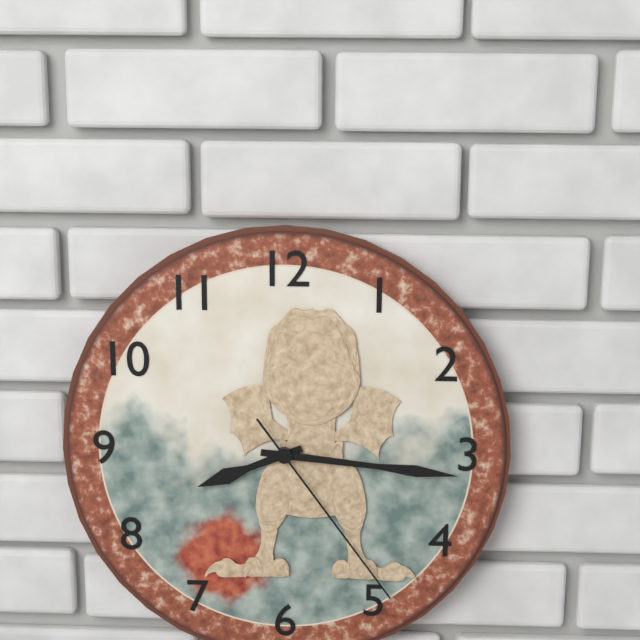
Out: {"hour": 8, "minute": 16, "second": 24}
